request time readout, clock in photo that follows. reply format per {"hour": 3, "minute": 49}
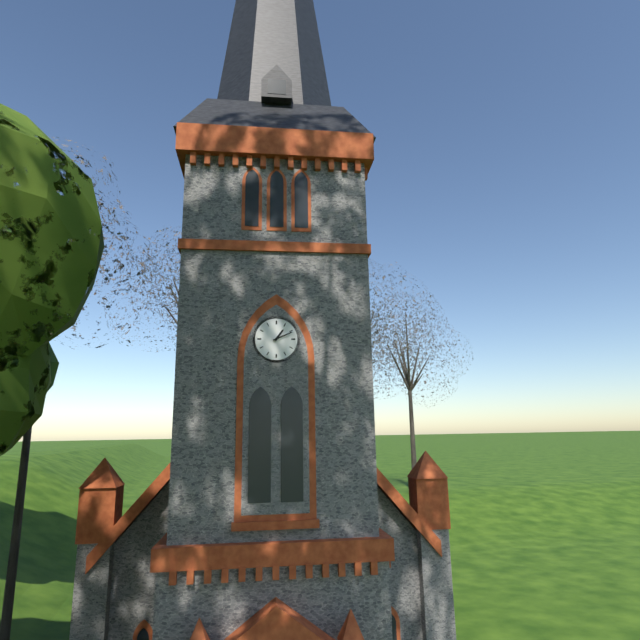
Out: {"hour": 1, "minute": 11}
